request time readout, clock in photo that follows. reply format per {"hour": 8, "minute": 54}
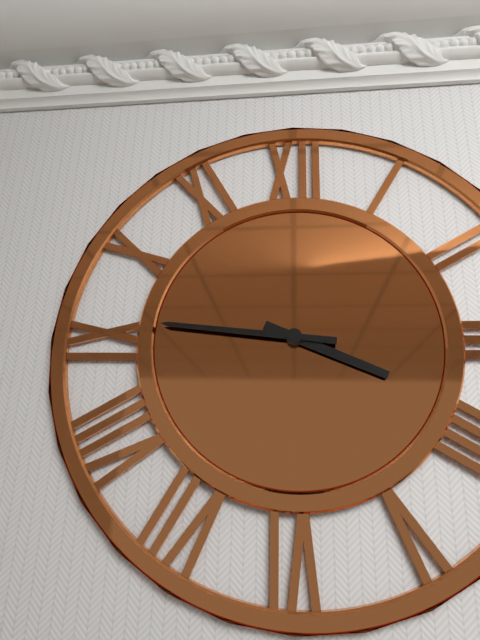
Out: {"hour": 3, "minute": 46}
